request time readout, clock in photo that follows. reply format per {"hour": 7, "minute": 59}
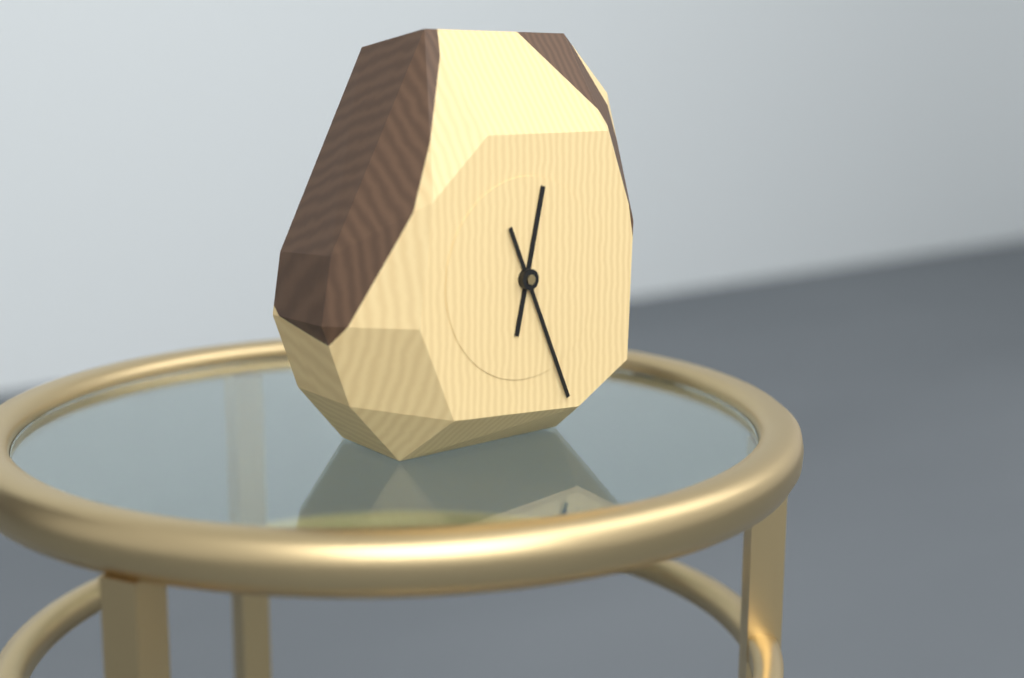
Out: {"hour": 12, "minute": 26}
